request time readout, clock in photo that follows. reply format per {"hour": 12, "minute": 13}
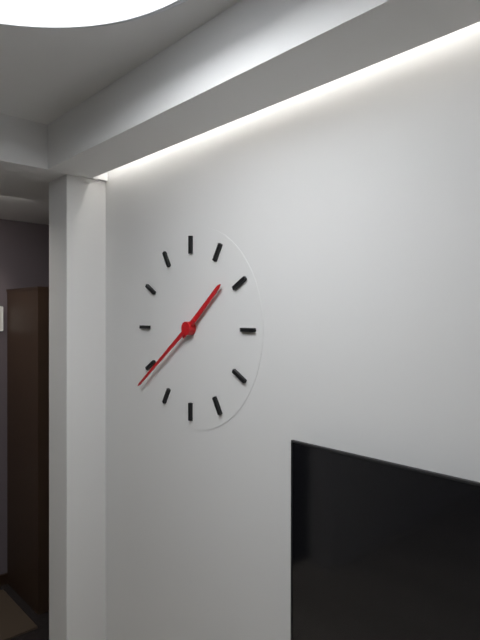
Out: {"hour": 1, "minute": 39}
